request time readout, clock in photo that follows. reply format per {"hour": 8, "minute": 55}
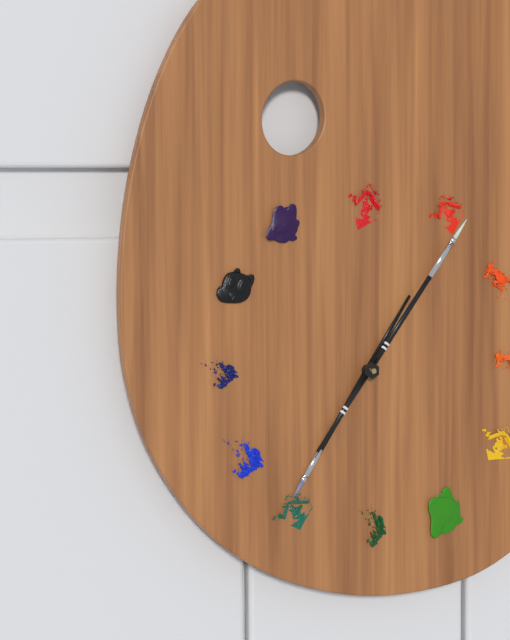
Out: {"hour": 7, "minute": 6}
